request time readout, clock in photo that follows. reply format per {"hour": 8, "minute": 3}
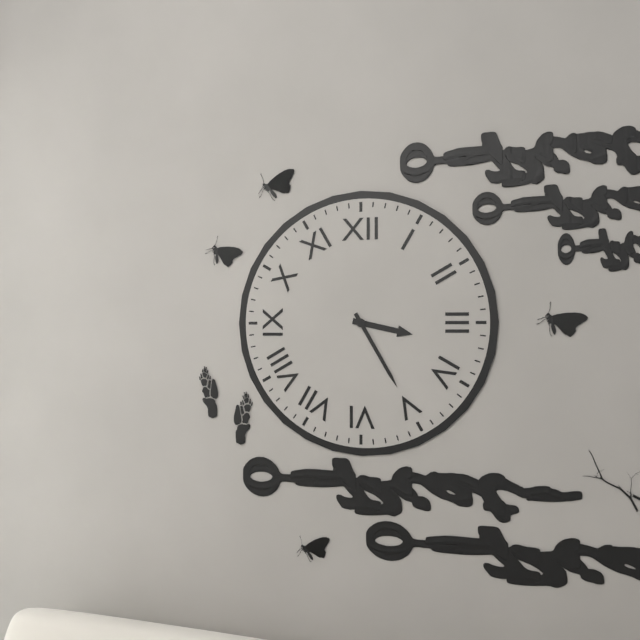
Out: {"hour": 3, "minute": 25}
